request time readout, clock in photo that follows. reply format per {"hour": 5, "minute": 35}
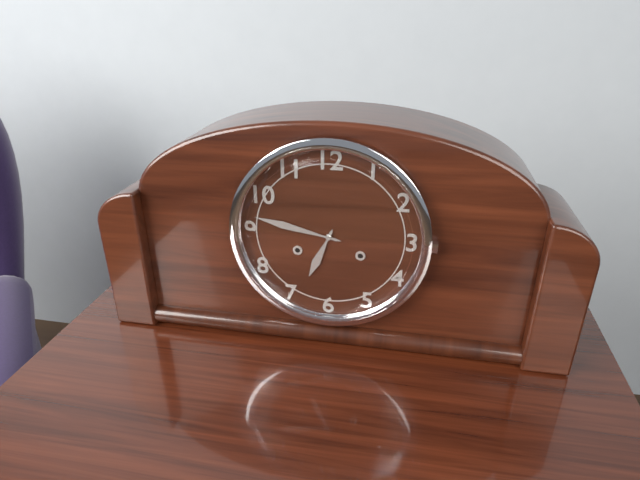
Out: {"hour": 6, "minute": 47}
